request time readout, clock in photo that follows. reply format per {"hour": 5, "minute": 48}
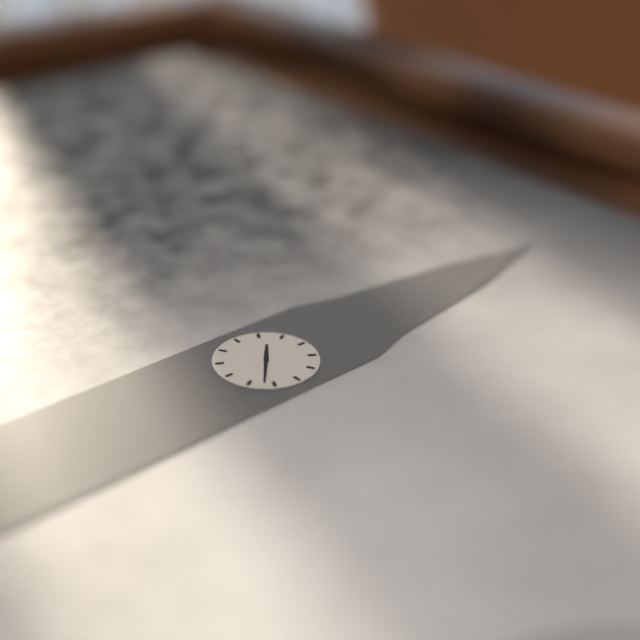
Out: {"hour": 10, "minute": 22}
